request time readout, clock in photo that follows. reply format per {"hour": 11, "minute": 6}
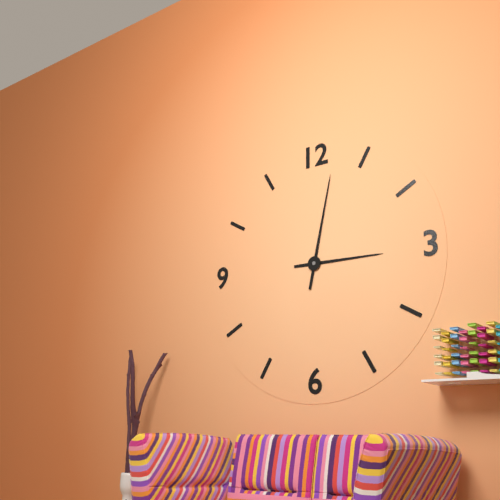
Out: {"hour": 3, "minute": 2}
